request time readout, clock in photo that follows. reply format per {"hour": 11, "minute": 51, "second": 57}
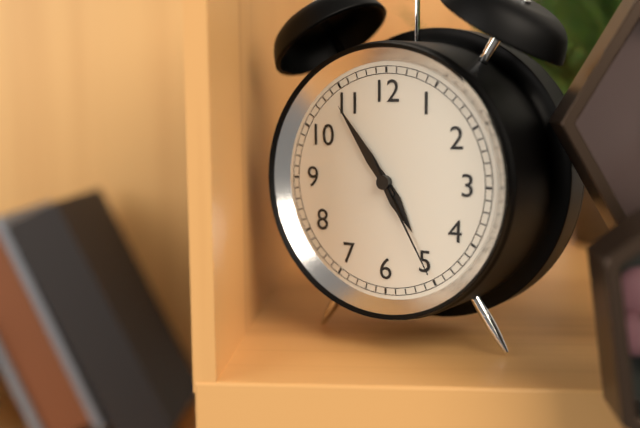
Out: {"hour": 4, "minute": 54, "second": 25}
